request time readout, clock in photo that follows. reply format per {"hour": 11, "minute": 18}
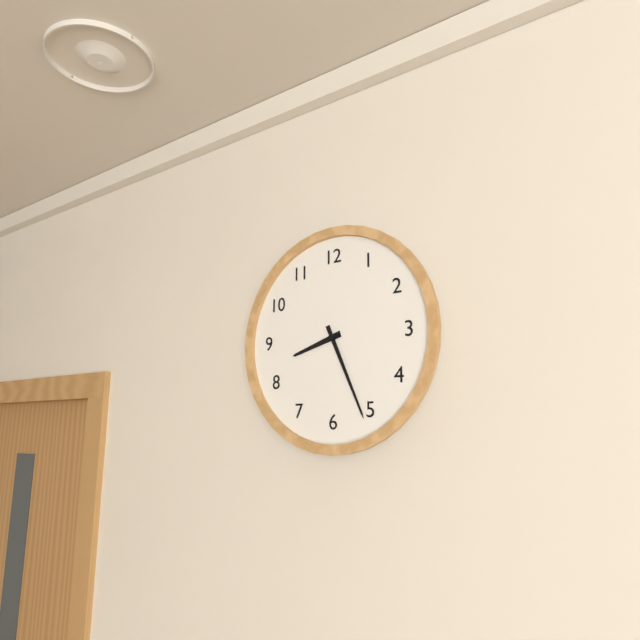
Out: {"hour": 8, "minute": 26}
